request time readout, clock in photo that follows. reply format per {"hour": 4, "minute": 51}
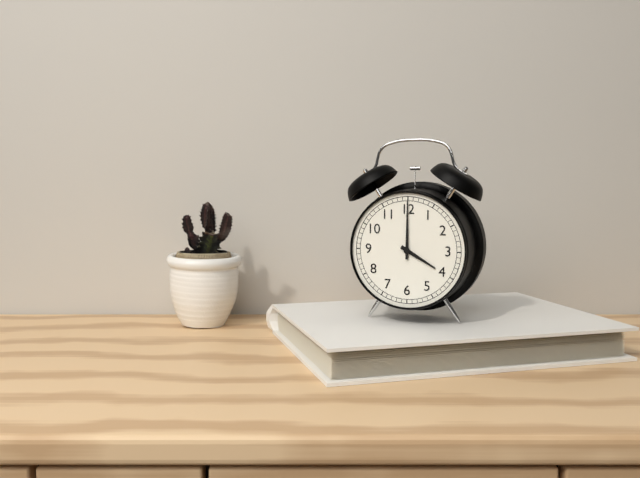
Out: {"hour": 4, "minute": 0}
